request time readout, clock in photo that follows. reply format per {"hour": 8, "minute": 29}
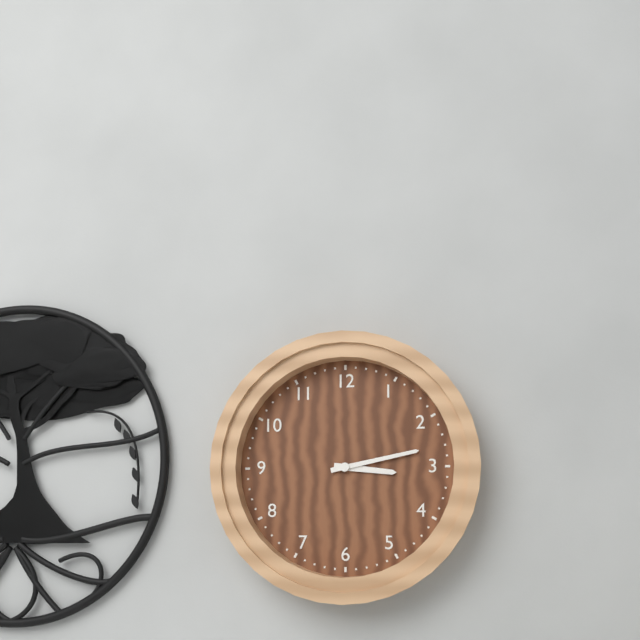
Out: {"hour": 3, "minute": 13}
